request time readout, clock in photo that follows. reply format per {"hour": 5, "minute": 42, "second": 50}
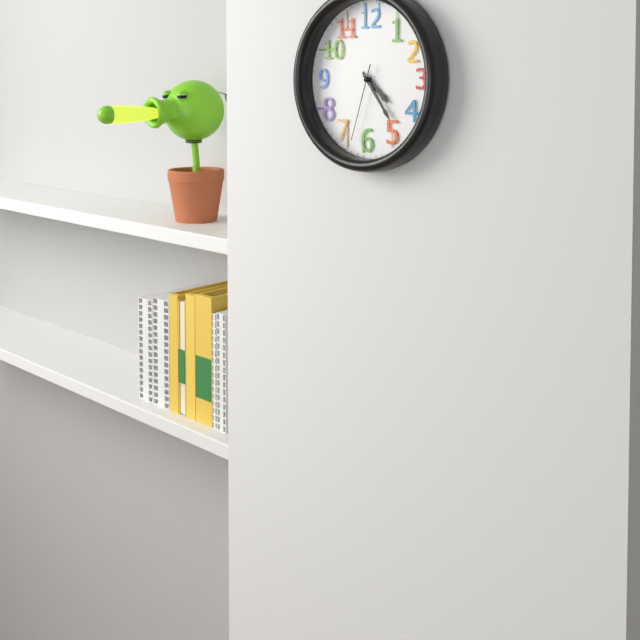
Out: {"hour": 4, "minute": 24, "second": 33}
